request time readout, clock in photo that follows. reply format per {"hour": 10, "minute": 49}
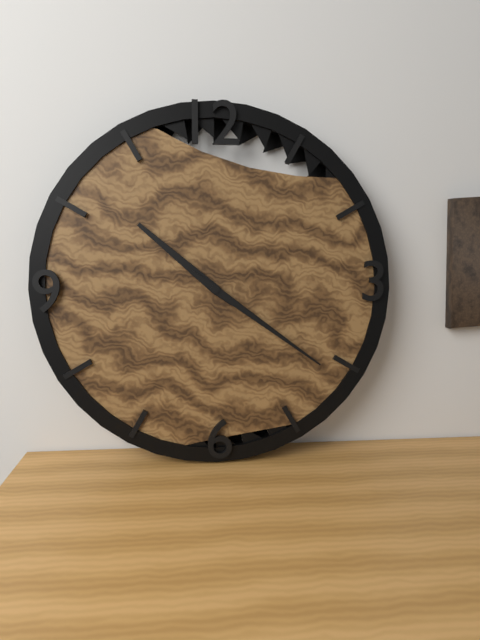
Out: {"hour": 10, "minute": 21}
